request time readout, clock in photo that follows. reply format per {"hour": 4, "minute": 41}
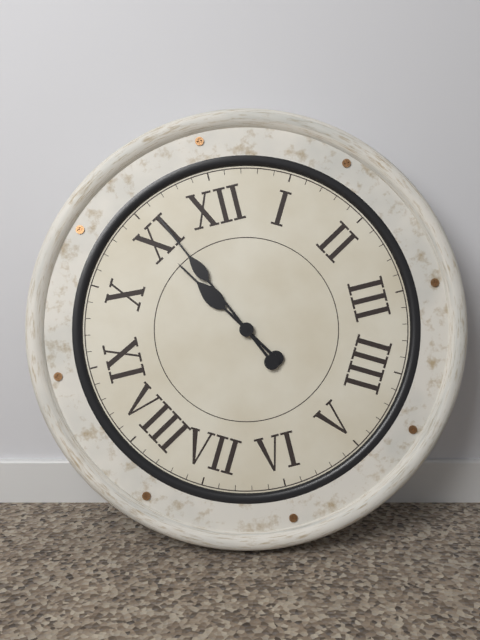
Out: {"hour": 10, "minute": 56}
